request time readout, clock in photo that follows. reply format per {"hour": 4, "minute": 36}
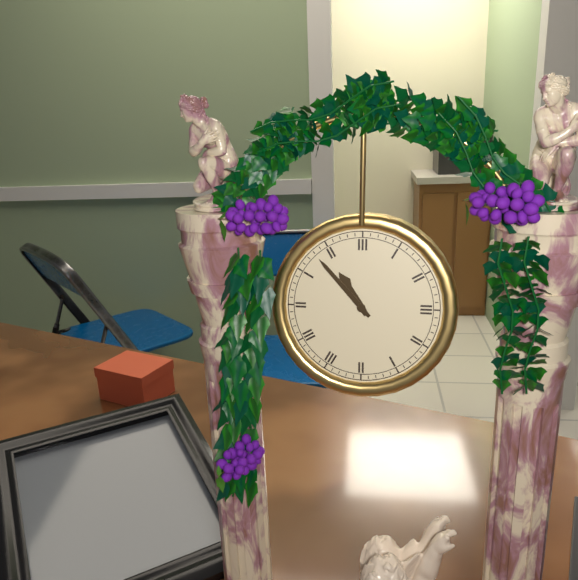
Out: {"hour": 10, "minute": 53}
